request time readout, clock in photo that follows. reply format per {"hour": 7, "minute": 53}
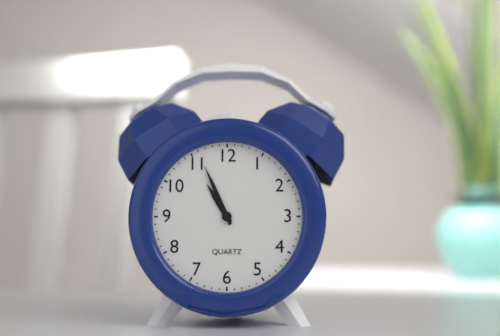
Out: {"hour": 10, "minute": 56}
